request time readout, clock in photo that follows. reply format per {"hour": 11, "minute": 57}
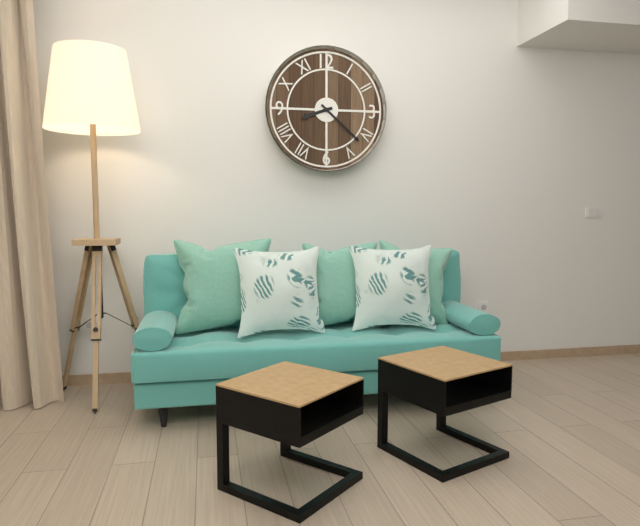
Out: {"hour": 8, "minute": 22}
